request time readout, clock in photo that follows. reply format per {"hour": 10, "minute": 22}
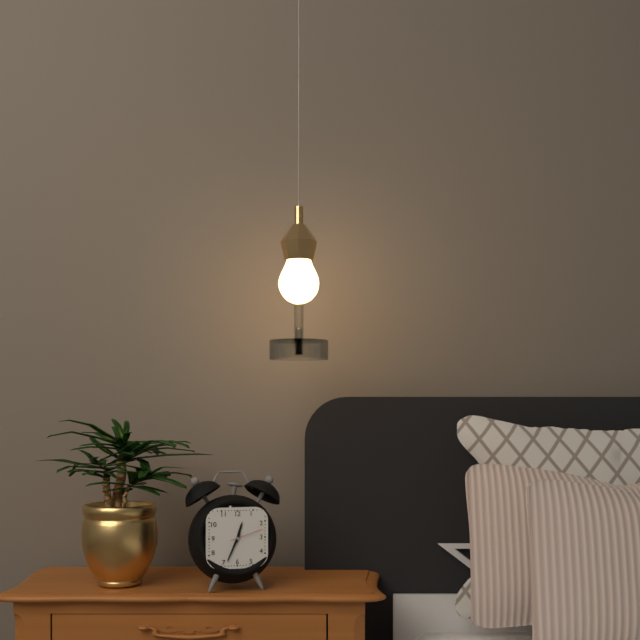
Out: {"hour": 12, "minute": 34}
